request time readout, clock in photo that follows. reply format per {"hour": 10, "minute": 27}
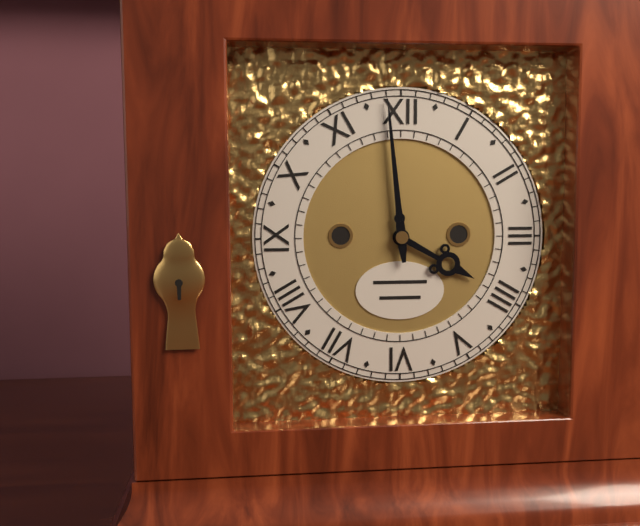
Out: {"hour": 3, "minute": 59}
